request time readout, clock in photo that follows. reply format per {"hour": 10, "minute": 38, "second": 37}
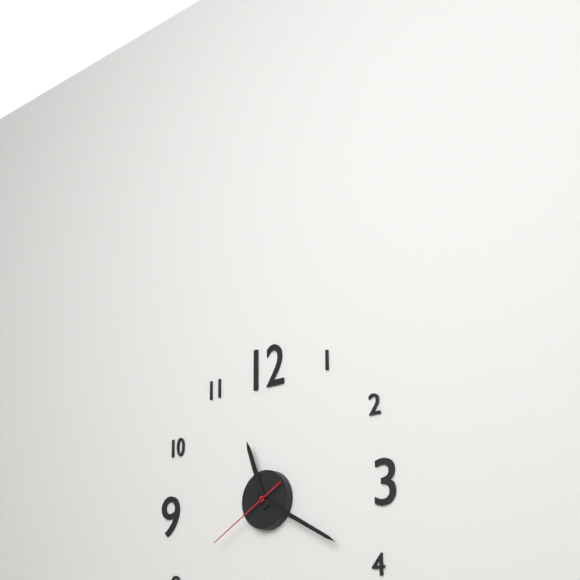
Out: {"hour": 11, "minute": 20, "second": 40}
